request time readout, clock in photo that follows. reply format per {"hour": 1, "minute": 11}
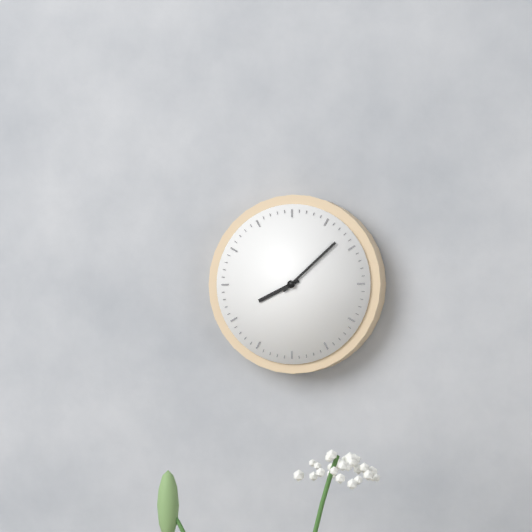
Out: {"hour": 8, "minute": 8}
